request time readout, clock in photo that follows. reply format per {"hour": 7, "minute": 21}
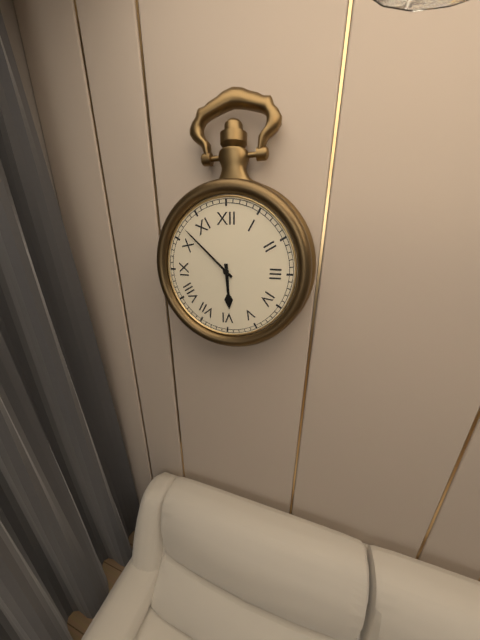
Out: {"hour": 5, "minute": 52}
